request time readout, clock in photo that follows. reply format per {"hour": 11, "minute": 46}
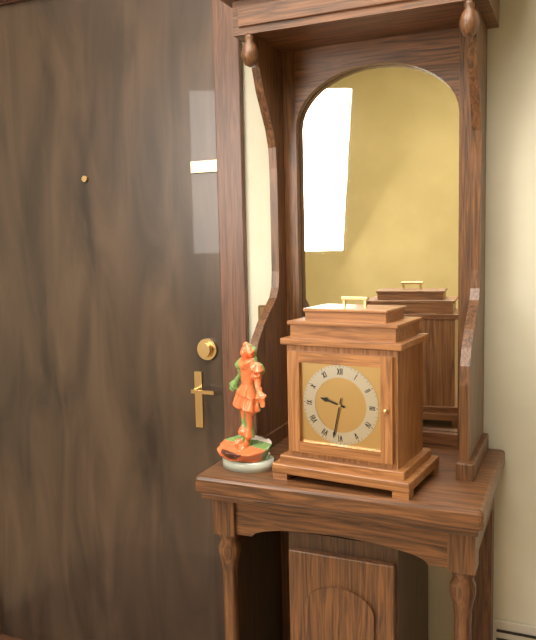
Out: {"hour": 9, "minute": 32}
